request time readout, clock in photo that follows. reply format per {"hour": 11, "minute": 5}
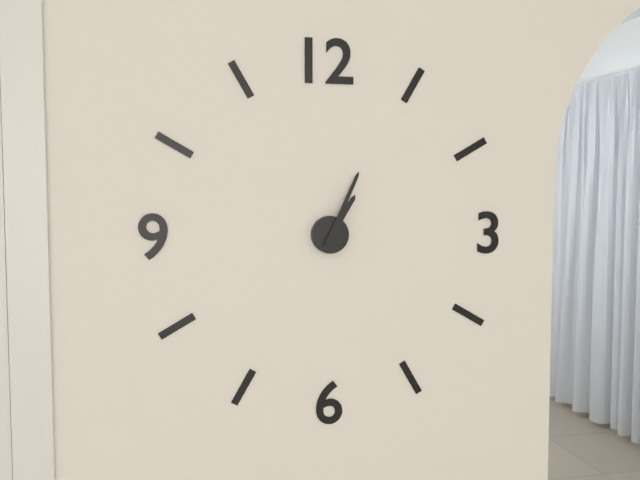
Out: {"hour": 1, "minute": 4}
